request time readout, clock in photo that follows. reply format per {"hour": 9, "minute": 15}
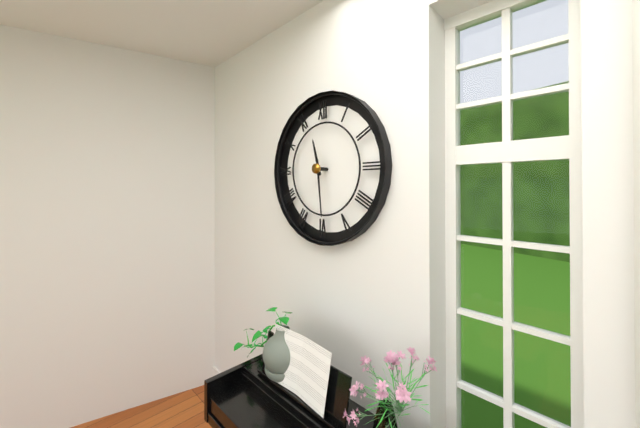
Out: {"hour": 11, "minute": 29}
